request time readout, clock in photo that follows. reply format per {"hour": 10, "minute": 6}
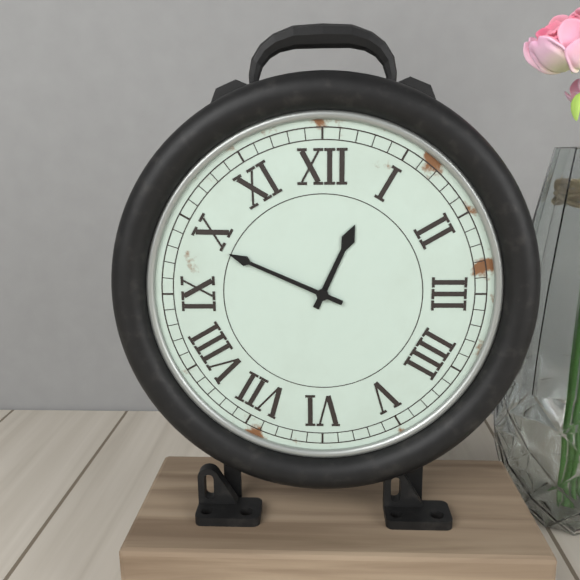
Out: {"hour": 12, "minute": 49}
